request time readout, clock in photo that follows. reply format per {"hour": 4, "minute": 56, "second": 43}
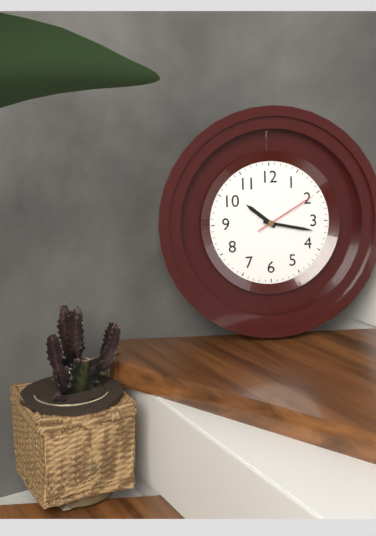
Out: {"hour": 10, "minute": 17, "second": 10}
